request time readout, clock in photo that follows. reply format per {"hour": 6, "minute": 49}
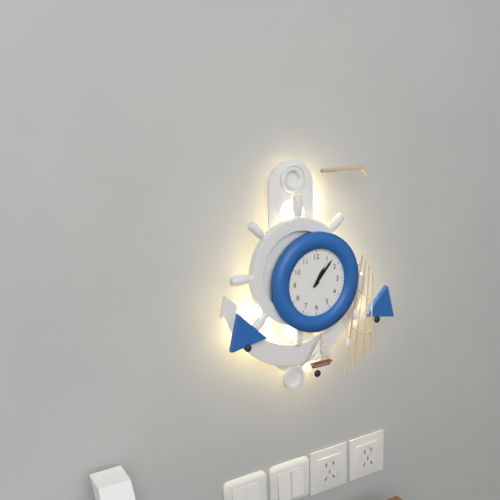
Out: {"hour": 1, "minute": 7}
